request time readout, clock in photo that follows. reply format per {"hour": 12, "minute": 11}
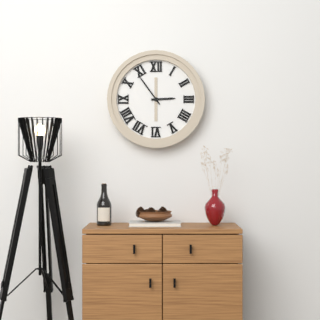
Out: {"hour": 2, "minute": 54}
